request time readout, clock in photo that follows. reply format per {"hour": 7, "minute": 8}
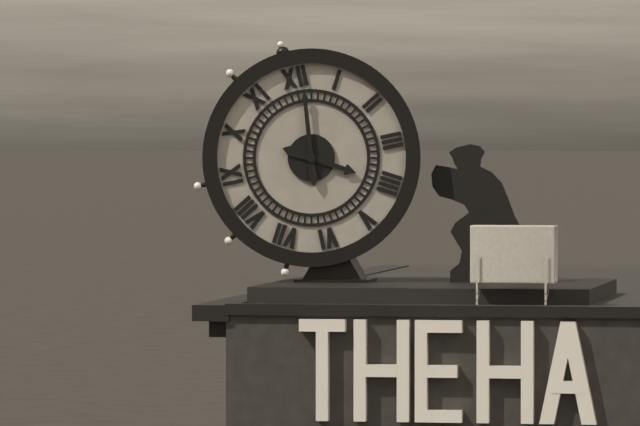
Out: {"hour": 4, "minute": 1}
